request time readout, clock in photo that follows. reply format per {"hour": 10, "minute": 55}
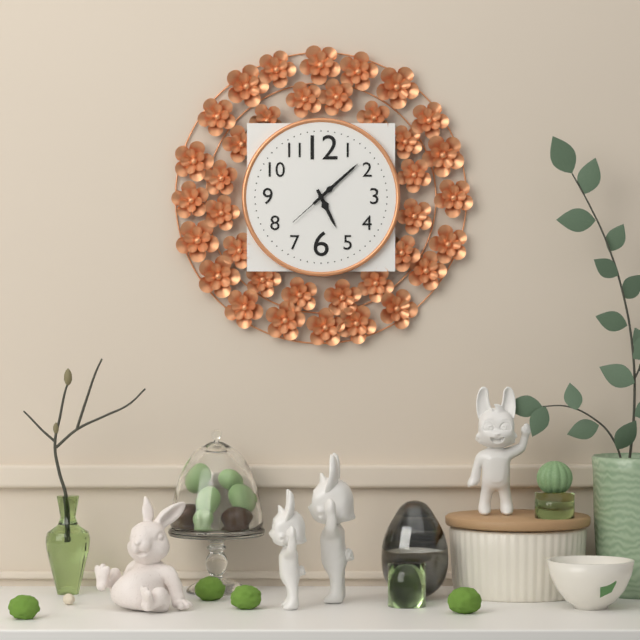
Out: {"hour": 5, "minute": 8}
